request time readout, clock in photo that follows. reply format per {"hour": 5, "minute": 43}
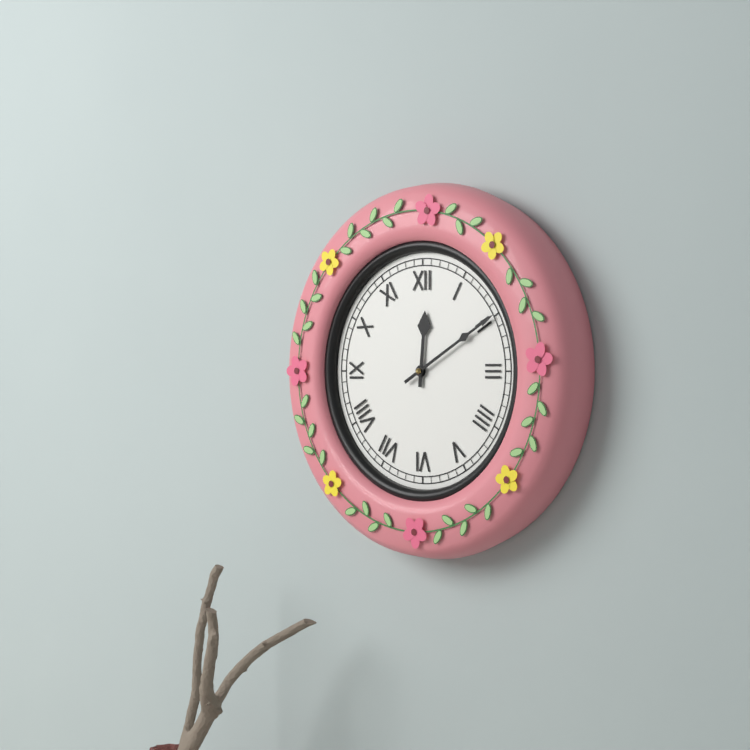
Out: {"hour": 12, "minute": 10}
